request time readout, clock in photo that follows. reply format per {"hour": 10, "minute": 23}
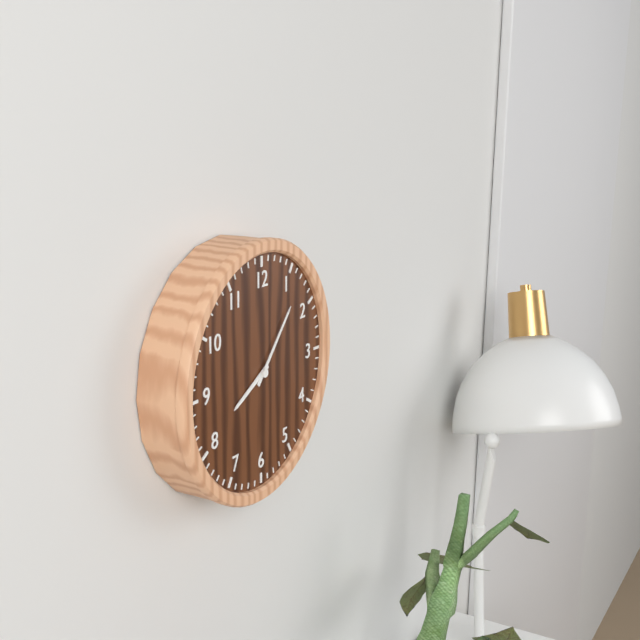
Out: {"hour": 8, "minute": 7}
